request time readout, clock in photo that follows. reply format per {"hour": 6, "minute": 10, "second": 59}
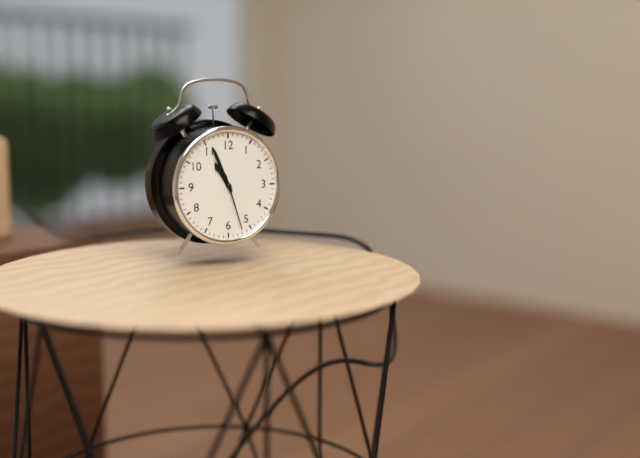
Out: {"hour": 10, "minute": 56, "second": 27}
